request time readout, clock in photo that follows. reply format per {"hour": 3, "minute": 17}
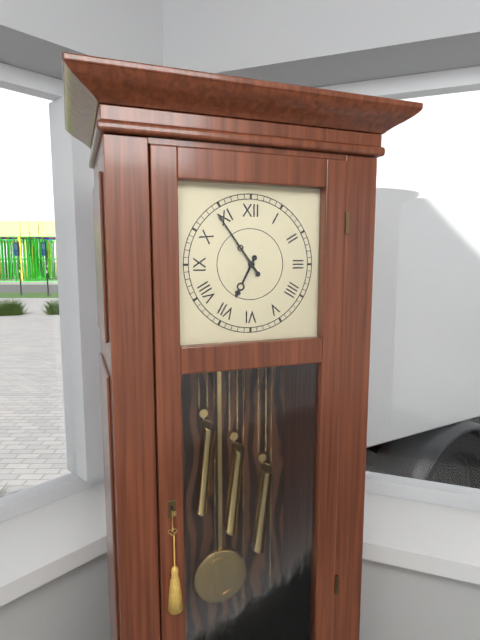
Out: {"hour": 6, "minute": 54}
